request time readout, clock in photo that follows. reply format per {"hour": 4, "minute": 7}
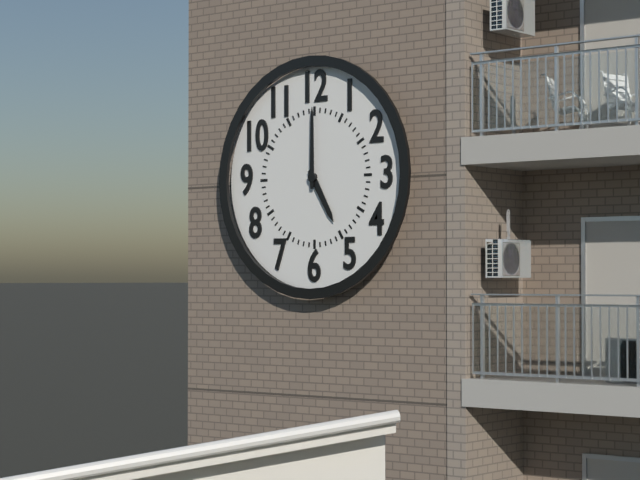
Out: {"hour": 5, "minute": 0}
